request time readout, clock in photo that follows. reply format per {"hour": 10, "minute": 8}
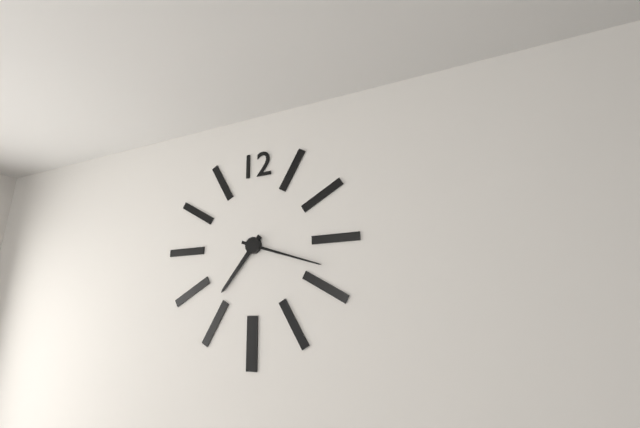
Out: {"hour": 7, "minute": 18}
